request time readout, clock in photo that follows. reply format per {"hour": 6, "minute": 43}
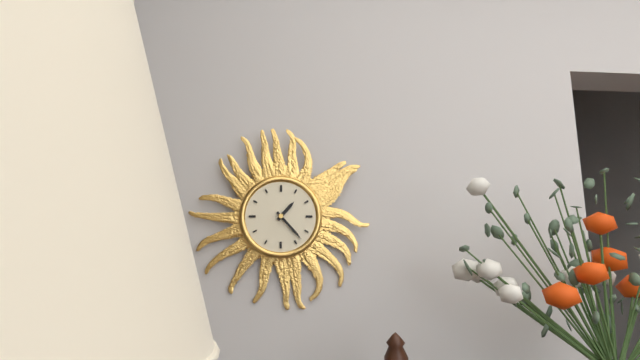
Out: {"hour": 1, "minute": 23}
